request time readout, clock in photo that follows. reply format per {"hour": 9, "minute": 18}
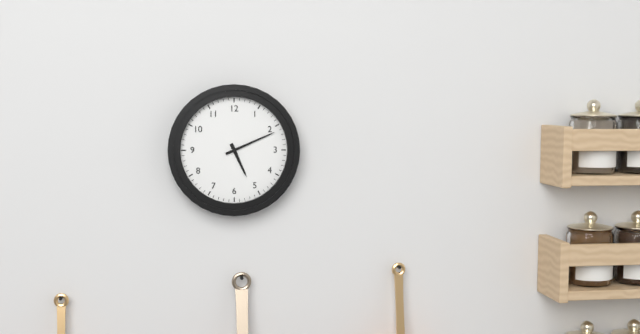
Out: {"hour": 5, "minute": 11}
